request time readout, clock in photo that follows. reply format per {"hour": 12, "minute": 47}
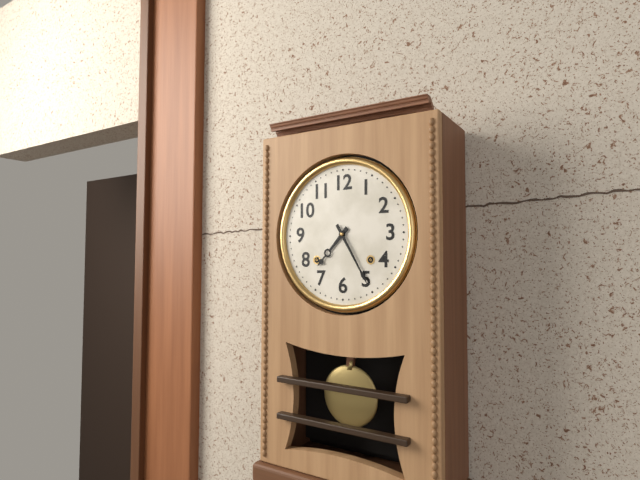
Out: {"hour": 7, "minute": 25}
